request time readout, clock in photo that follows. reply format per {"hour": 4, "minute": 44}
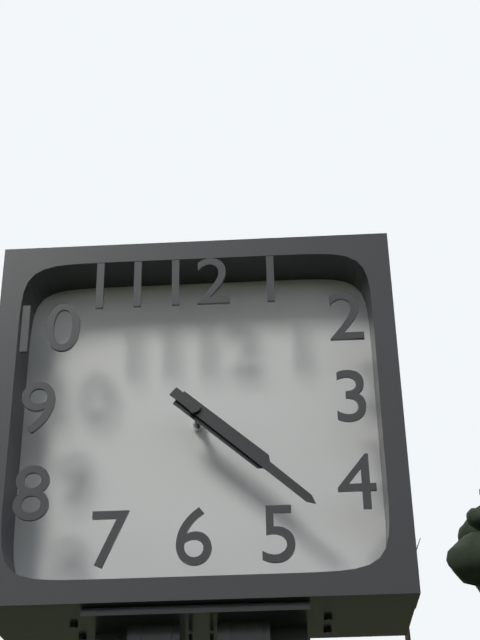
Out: {"hour": 4, "minute": 22}
